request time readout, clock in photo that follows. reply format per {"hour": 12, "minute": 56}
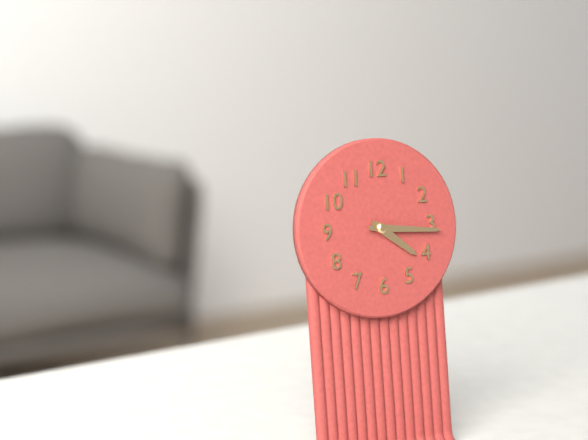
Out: {"hour": 4, "minute": 16}
